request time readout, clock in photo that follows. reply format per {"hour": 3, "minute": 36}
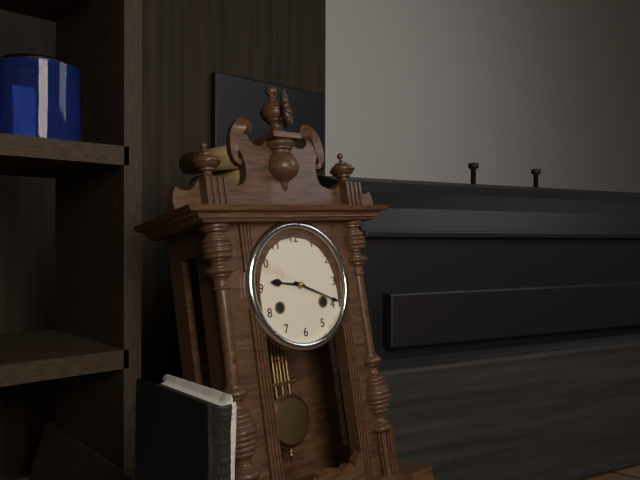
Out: {"hour": 9, "minute": 19}
